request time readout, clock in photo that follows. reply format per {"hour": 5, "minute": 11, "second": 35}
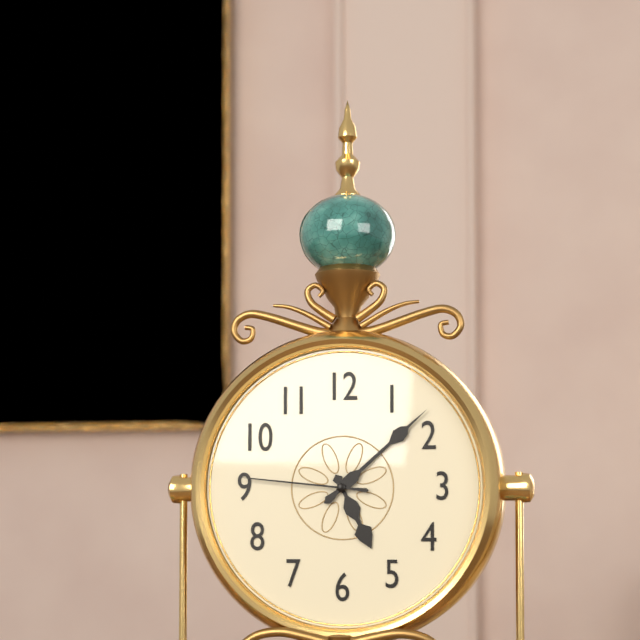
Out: {"hour": 5, "minute": 8, "second": 46}
